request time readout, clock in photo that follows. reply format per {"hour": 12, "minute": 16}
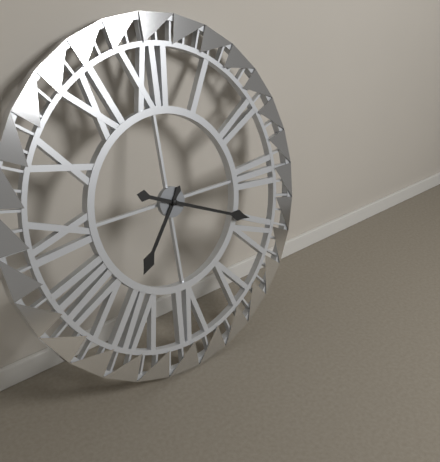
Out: {"hour": 7, "minute": 19}
